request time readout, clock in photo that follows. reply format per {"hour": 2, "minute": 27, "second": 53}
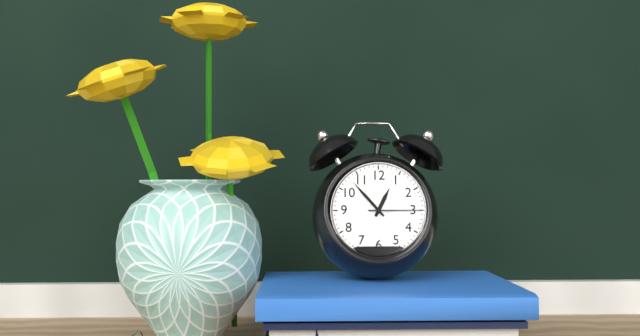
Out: {"hour": 12, "minute": 53, "second": 15}
